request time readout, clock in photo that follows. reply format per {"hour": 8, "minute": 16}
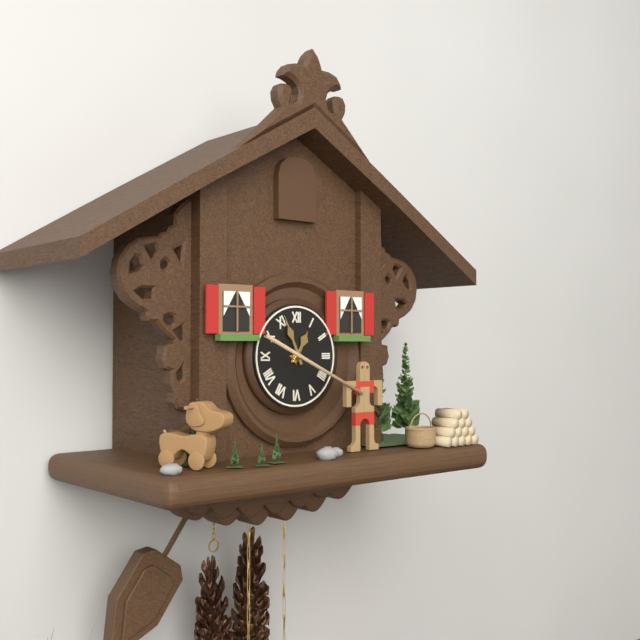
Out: {"hour": 12, "minute": 56}
